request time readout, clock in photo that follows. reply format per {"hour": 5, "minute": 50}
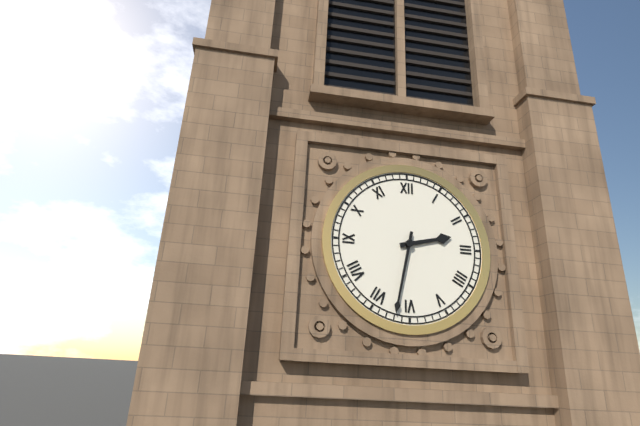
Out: {"hour": 2, "minute": 32}
